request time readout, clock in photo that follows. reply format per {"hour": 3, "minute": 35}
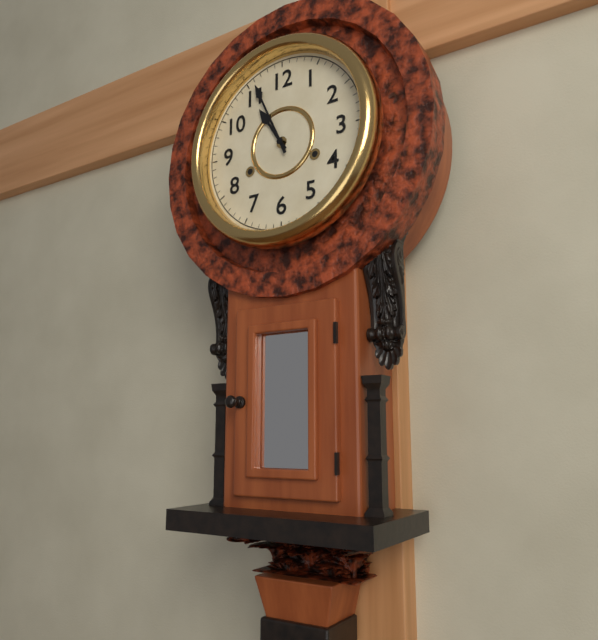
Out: {"hour": 10, "minute": 56}
